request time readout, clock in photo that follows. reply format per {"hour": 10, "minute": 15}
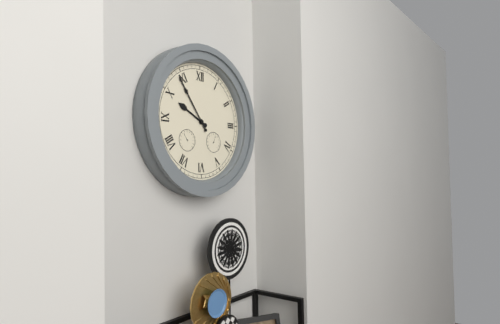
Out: {"hour": 9, "minute": 54}
